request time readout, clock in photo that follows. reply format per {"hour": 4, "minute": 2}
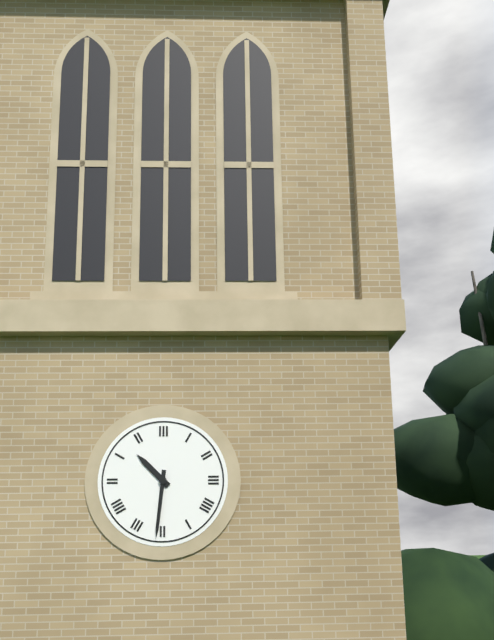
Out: {"hour": 10, "minute": 31}
